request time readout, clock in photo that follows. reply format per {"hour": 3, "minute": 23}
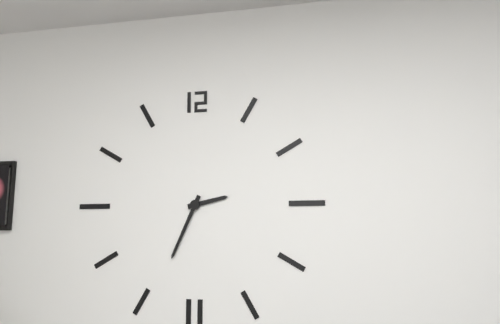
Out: {"hour": 2, "minute": 34}
